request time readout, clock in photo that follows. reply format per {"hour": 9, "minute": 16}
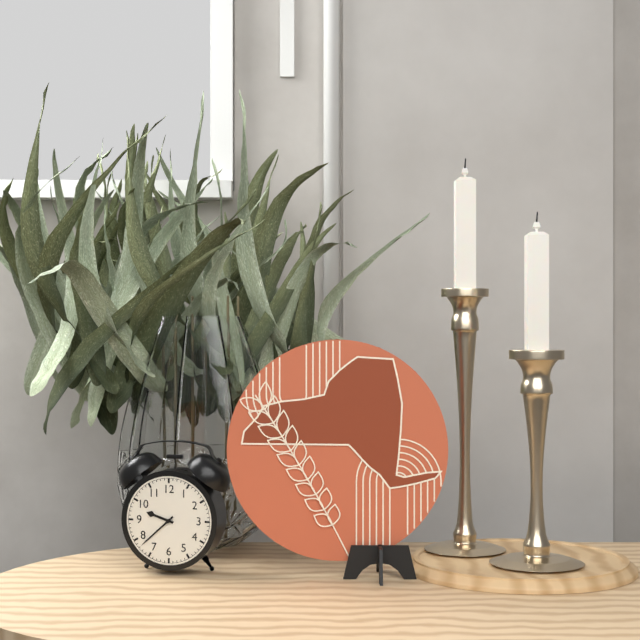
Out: {"hour": 9, "minute": 38}
